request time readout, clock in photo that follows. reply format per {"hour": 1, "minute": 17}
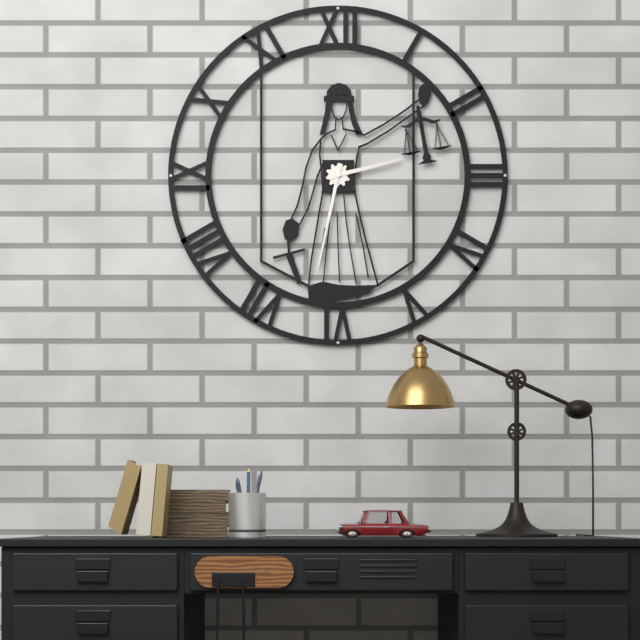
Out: {"hour": 2, "minute": 32}
